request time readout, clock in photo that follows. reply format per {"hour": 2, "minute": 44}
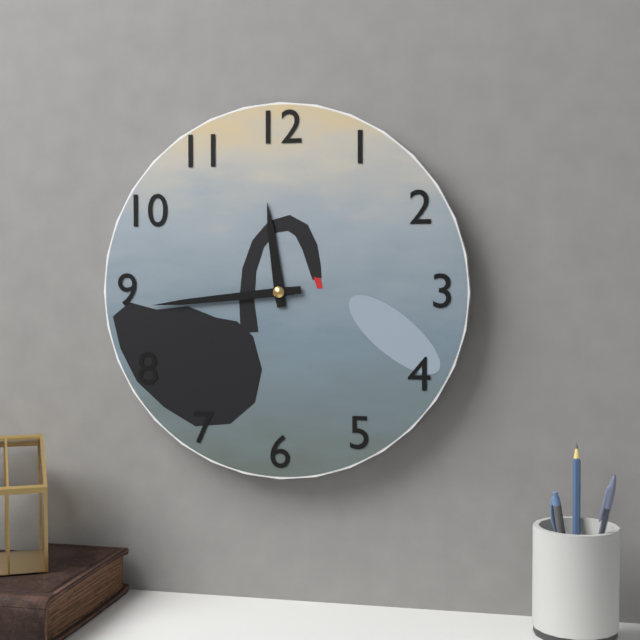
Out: {"hour": 11, "minute": 44}
